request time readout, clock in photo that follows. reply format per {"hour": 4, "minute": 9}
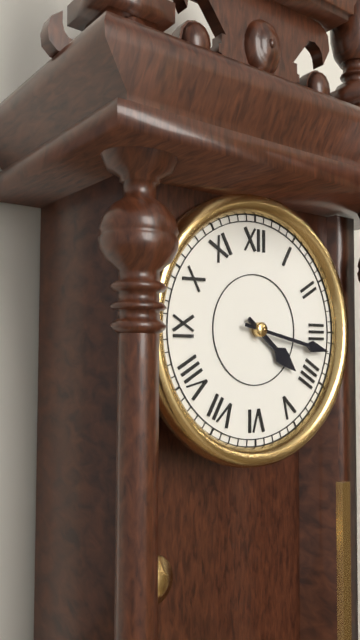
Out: {"hour": 4, "minute": 17}
